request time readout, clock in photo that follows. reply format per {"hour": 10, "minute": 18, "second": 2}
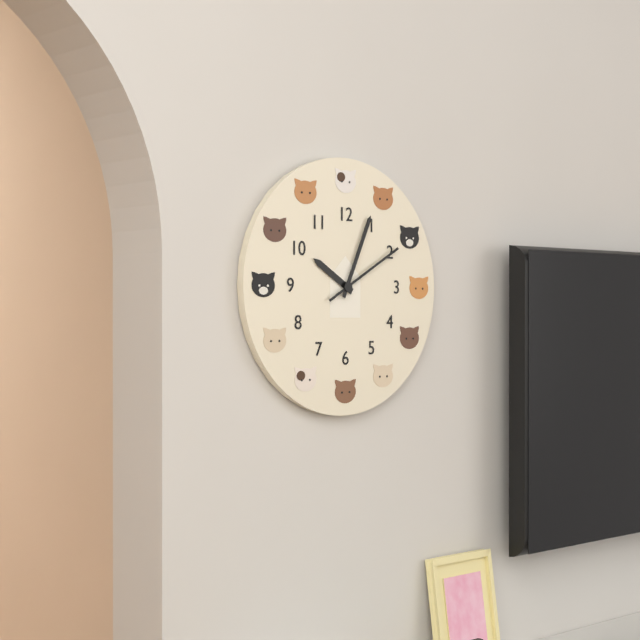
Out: {"hour": 10, "minute": 4, "second": 10}
